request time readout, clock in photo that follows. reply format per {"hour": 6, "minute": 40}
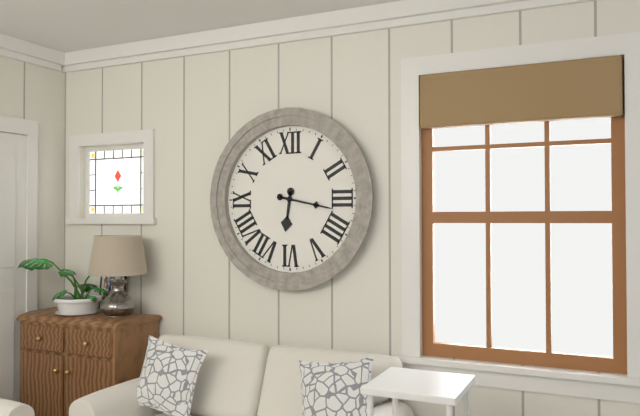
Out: {"hour": 6, "minute": 17}
